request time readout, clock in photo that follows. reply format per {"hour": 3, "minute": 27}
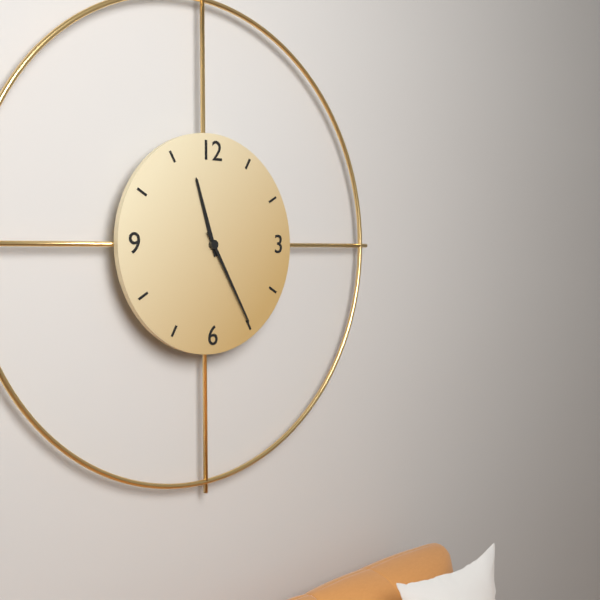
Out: {"hour": 11, "minute": 25}
